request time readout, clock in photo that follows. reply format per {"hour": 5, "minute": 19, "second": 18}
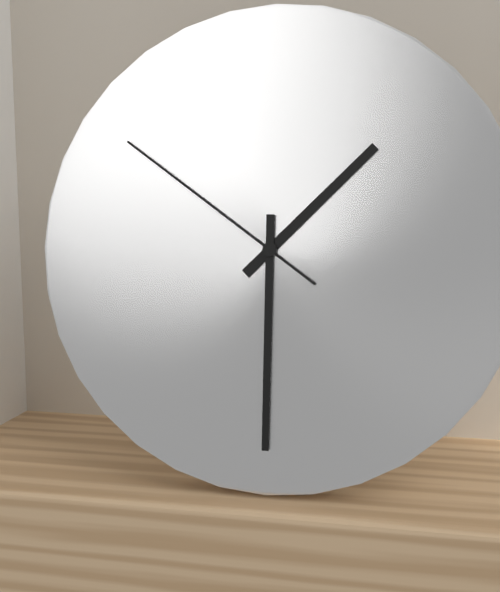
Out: {"hour": 1, "minute": 30, "second": 51}
